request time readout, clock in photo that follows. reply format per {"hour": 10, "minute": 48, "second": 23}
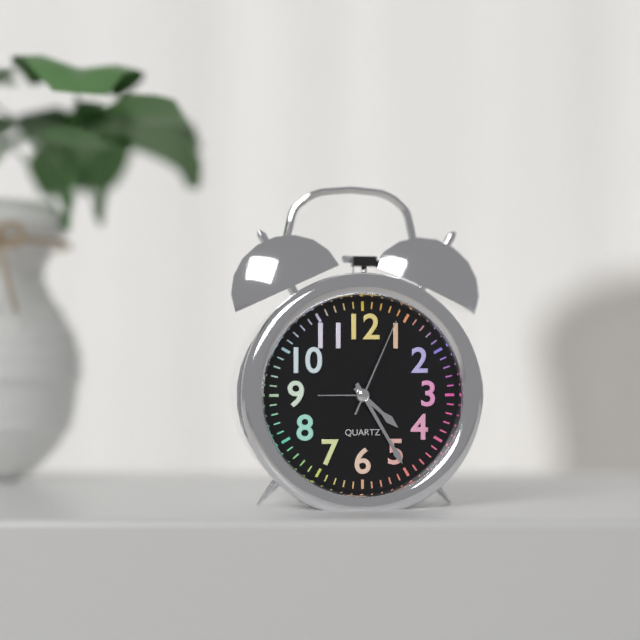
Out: {"hour": 4, "minute": 25, "second": 4}
